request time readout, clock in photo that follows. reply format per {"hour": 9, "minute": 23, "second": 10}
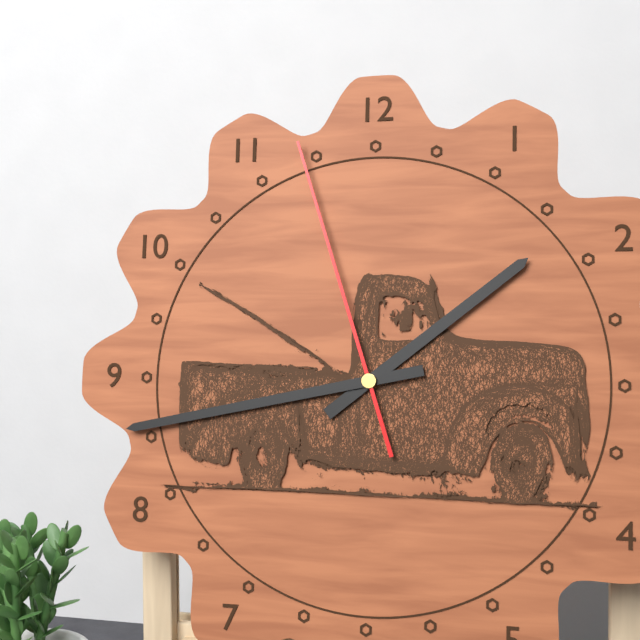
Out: {"hour": 1, "minute": 43, "second": 57}
